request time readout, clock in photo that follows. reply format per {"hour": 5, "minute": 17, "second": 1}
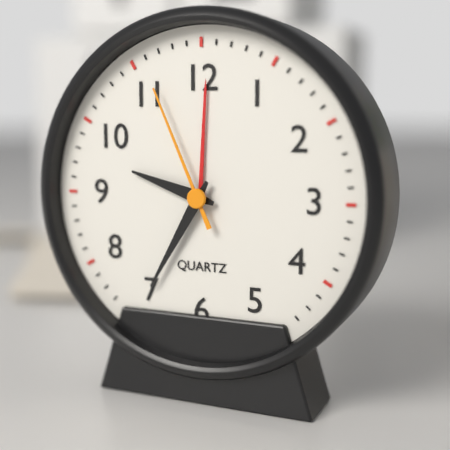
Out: {"hour": 9, "minute": 35, "second": 56}
